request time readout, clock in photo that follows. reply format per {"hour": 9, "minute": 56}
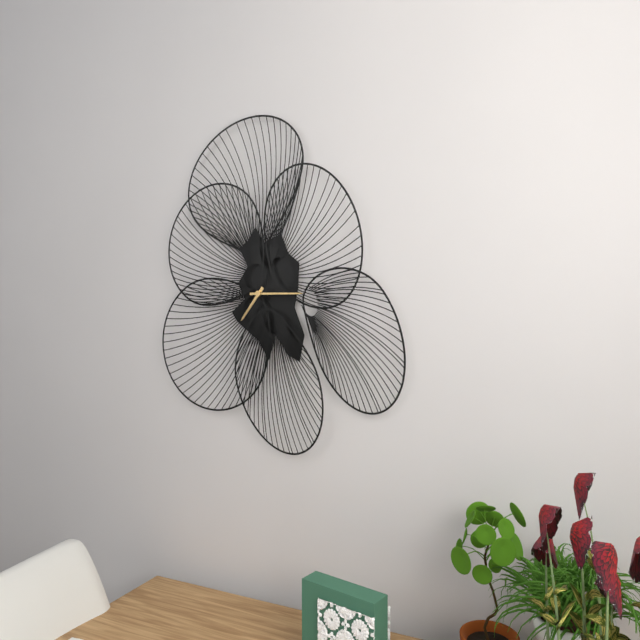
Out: {"hour": 7, "minute": 15}
